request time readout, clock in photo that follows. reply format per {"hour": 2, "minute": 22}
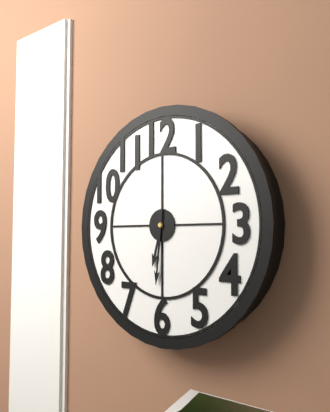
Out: {"hour": 6, "minute": 31}
